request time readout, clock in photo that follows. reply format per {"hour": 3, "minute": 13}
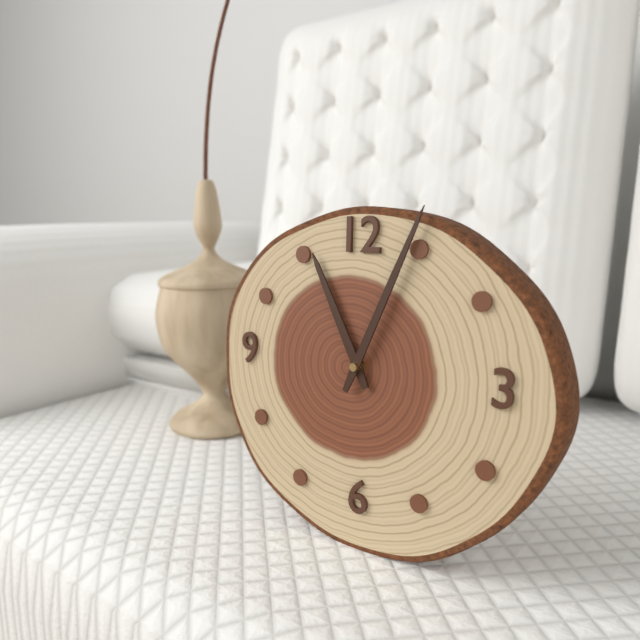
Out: {"hour": 11, "minute": 4}
